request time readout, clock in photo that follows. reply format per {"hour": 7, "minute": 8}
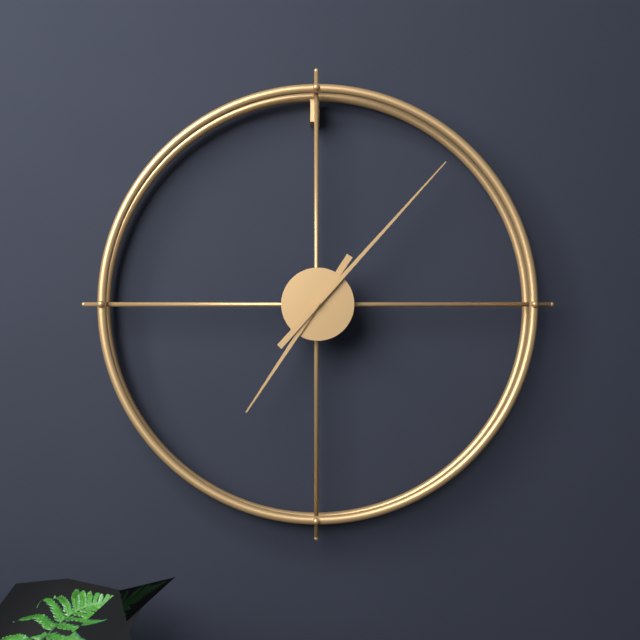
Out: {"hour": 7, "minute": 7}
